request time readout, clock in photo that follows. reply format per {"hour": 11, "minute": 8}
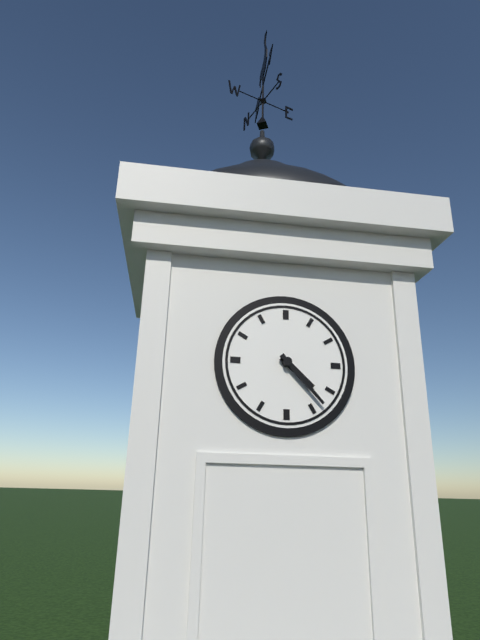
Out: {"hour": 4, "minute": 23}
